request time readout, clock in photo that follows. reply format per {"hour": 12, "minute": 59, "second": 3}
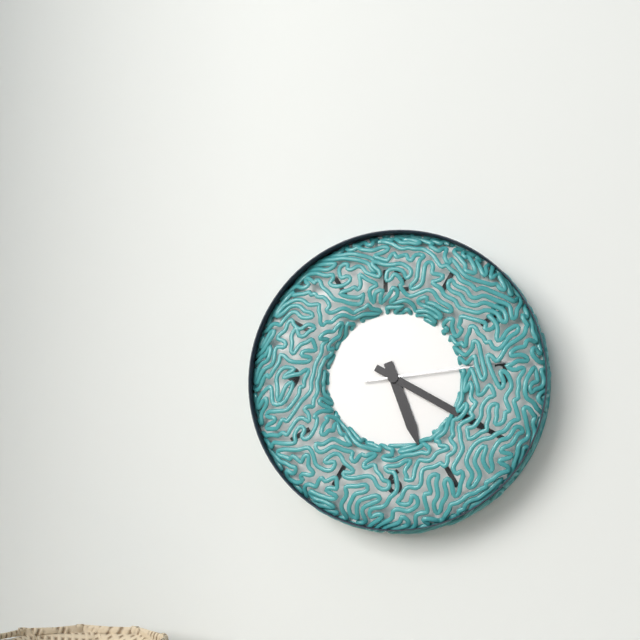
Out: {"hour": 5, "minute": 20, "second": 14}
